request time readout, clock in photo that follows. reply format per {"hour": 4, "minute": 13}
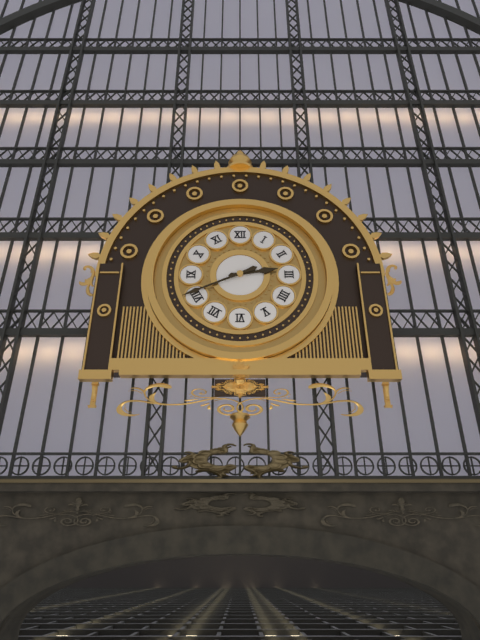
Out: {"hour": 2, "minute": 41}
